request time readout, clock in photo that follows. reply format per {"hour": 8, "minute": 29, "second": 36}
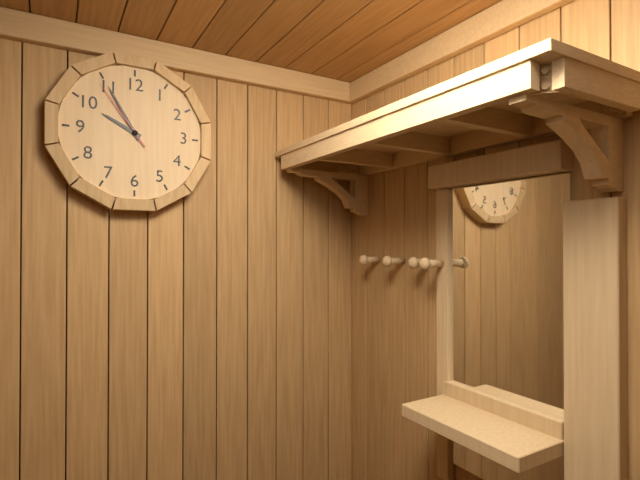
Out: {"hour": 9, "minute": 55, "second": 54}
